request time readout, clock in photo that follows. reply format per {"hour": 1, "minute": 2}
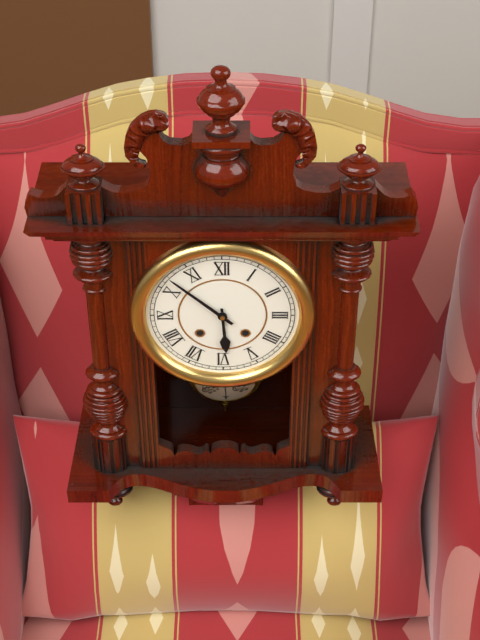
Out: {"hour": 5, "minute": 52}
